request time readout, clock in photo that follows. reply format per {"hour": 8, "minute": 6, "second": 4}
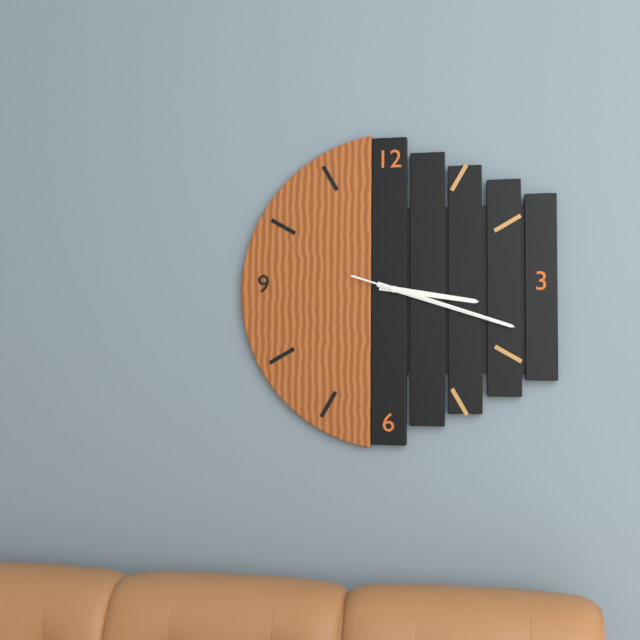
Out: {"hour": 3, "minute": 18, "second": 18}
